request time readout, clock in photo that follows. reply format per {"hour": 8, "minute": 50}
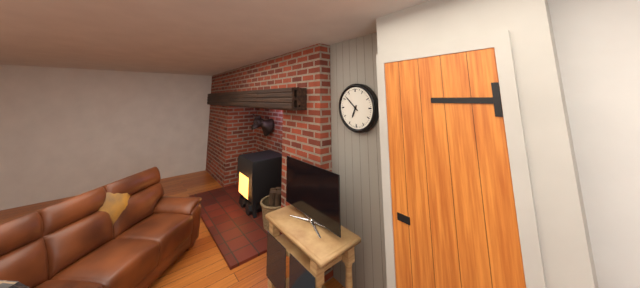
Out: {"hour": 6, "minute": 52}
